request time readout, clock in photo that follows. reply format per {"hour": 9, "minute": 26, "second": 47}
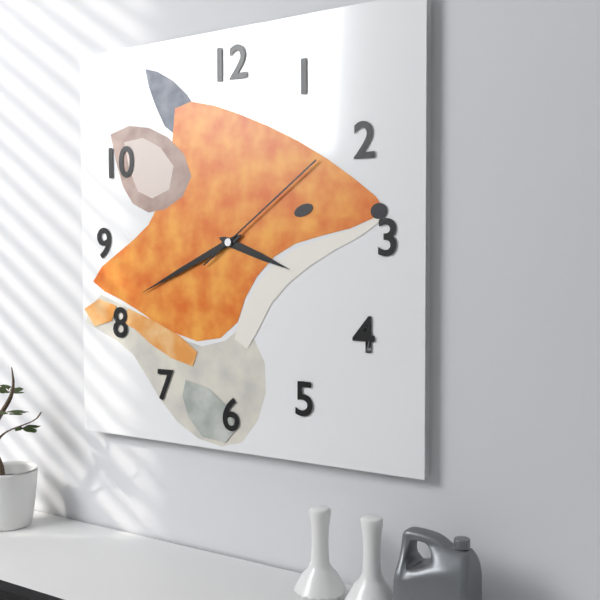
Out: {"hour": 3, "minute": 41, "second": 9}
